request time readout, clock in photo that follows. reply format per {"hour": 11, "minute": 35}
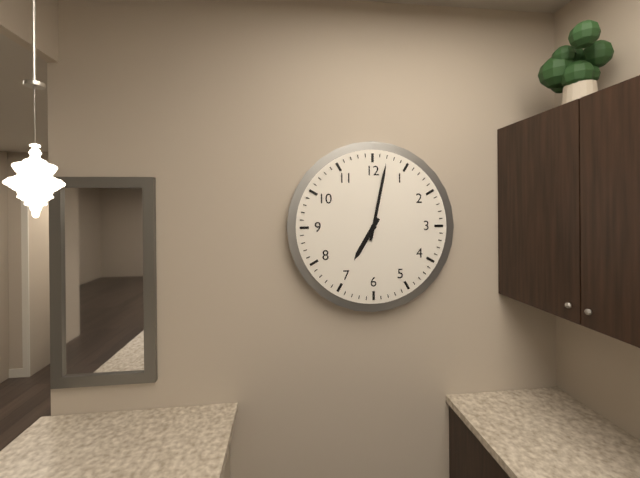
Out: {"hour": 7, "minute": 2}
